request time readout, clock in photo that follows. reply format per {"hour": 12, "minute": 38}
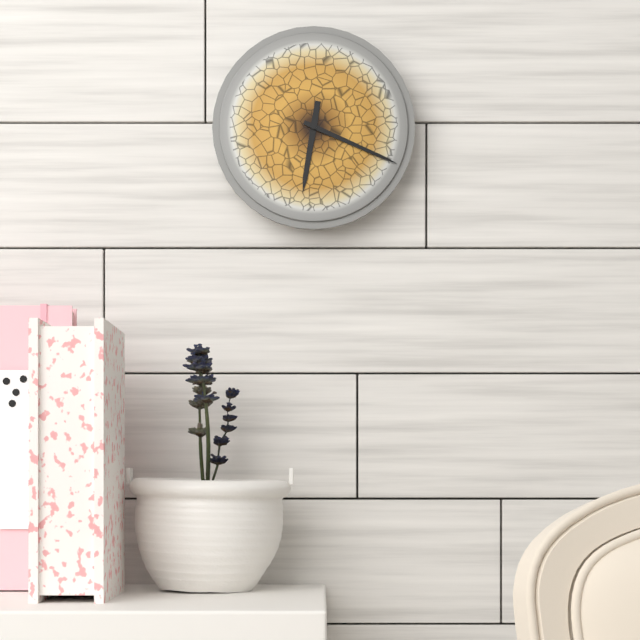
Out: {"hour": 6, "minute": 19}
